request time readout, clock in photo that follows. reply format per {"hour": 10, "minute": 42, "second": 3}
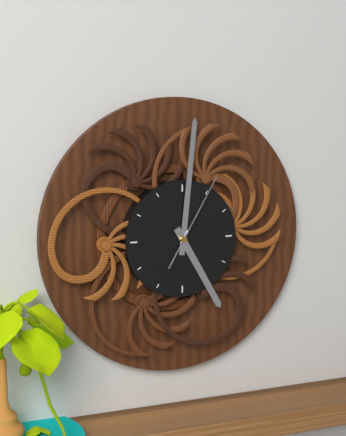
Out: {"hour": 5, "minute": 1, "second": 5}
